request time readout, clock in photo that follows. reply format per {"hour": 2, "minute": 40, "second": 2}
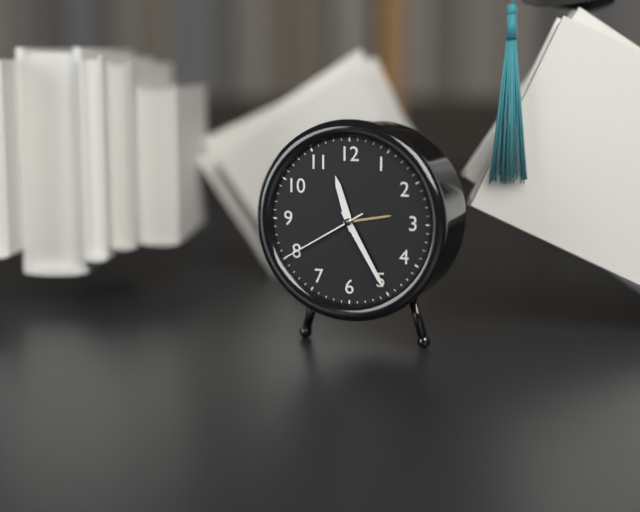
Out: {"hour": 11, "minute": 25, "second": 40}
